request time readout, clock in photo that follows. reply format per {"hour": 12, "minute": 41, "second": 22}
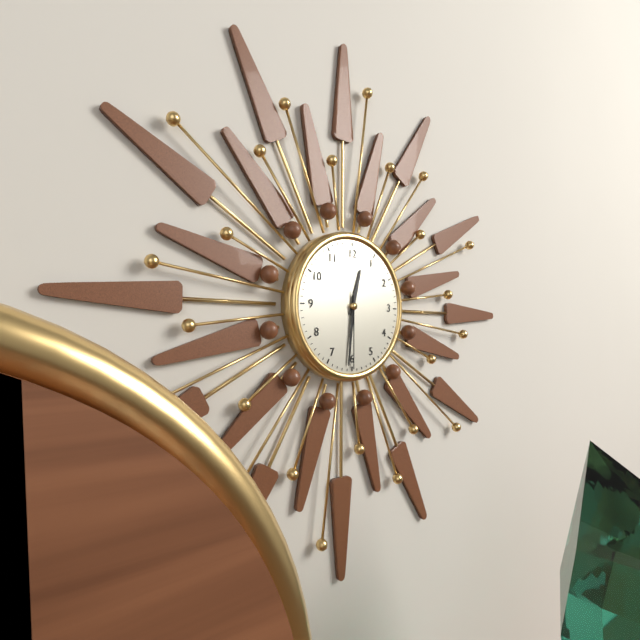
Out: {"hour": 12, "minute": 31, "second": 30}
